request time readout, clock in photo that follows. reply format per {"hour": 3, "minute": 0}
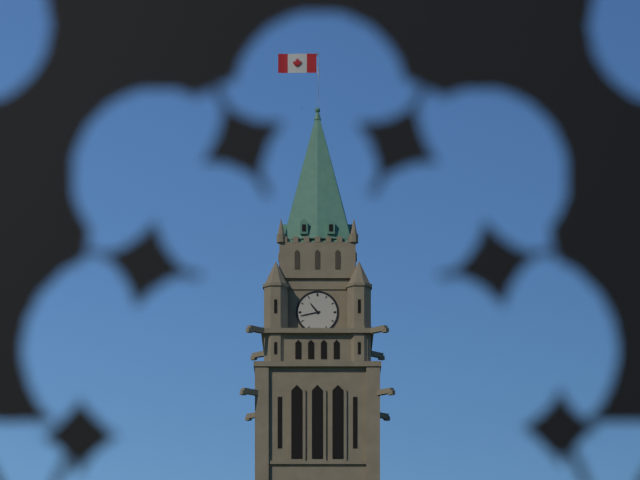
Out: {"hour": 10, "minute": 43}
